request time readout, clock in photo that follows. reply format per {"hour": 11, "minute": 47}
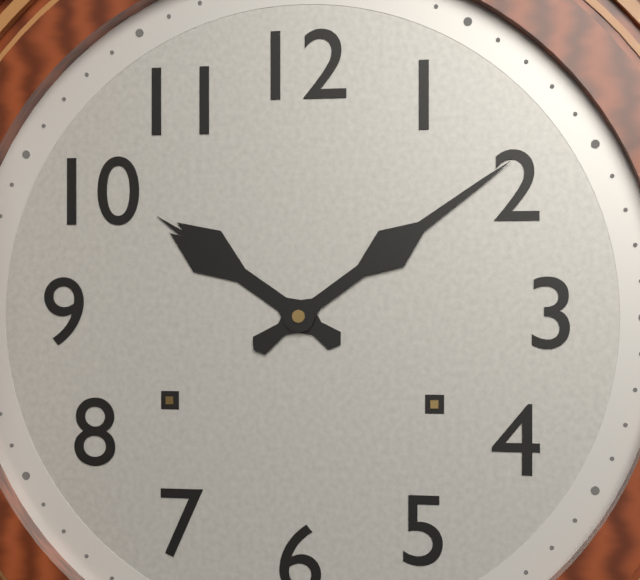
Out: {"hour": 10, "minute": 9}
